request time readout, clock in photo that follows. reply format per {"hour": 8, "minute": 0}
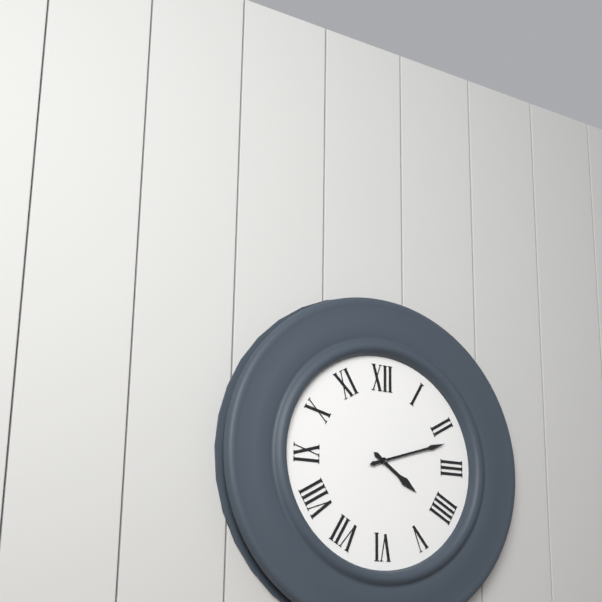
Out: {"hour": 4, "minute": 12}
